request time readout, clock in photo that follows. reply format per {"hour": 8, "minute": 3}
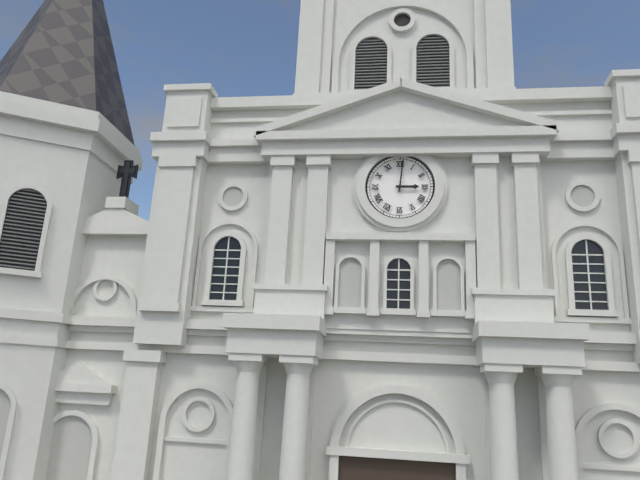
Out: {"hour": 3, "minute": 1}
